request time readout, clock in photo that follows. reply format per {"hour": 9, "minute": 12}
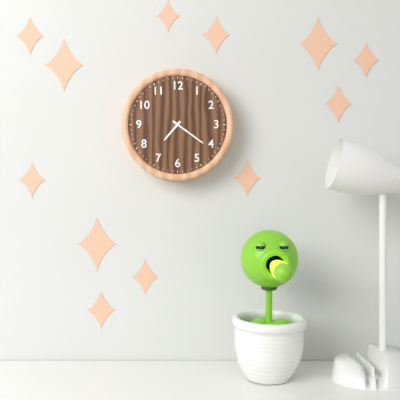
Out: {"hour": 7, "minute": 21}
